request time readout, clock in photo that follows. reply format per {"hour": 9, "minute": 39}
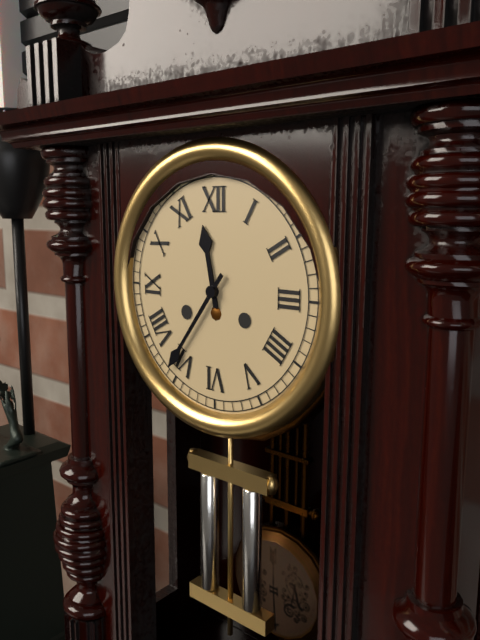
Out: {"hour": 11, "minute": 36}
